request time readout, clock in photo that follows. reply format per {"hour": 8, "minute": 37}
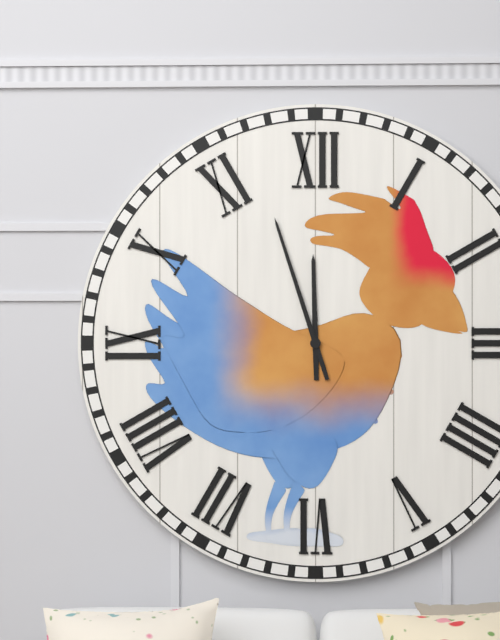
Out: {"hour": 11, "minute": 57}
